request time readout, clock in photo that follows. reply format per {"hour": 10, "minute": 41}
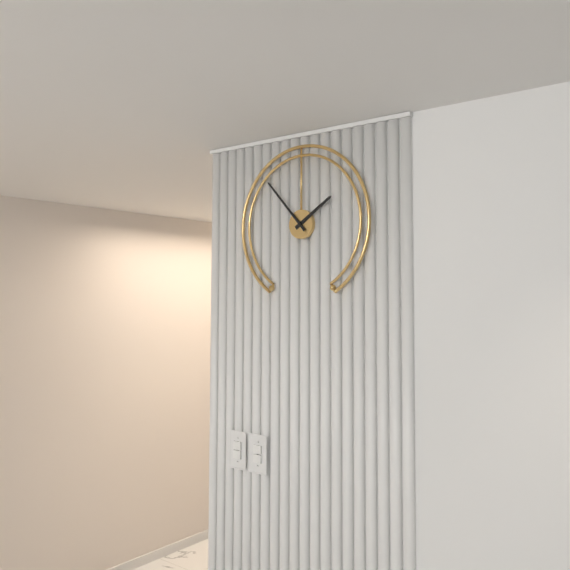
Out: {"hour": 1, "minute": 53}
